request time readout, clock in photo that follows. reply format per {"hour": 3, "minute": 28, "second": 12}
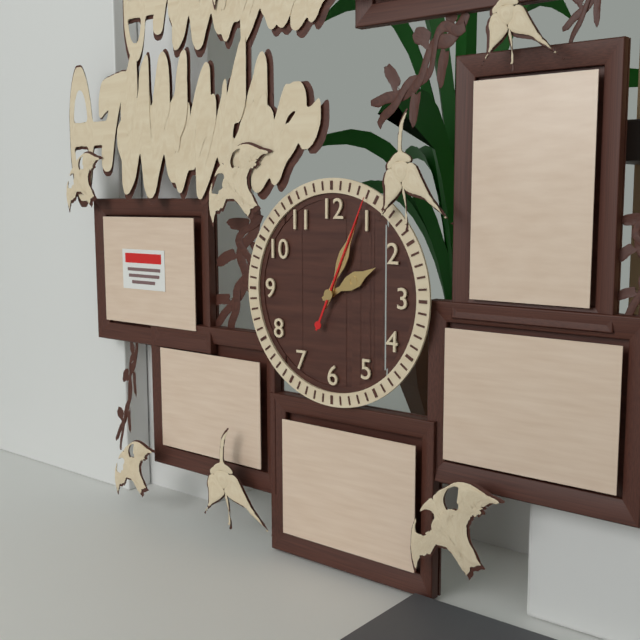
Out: {"hour": 2, "minute": 4, "second": 4}
